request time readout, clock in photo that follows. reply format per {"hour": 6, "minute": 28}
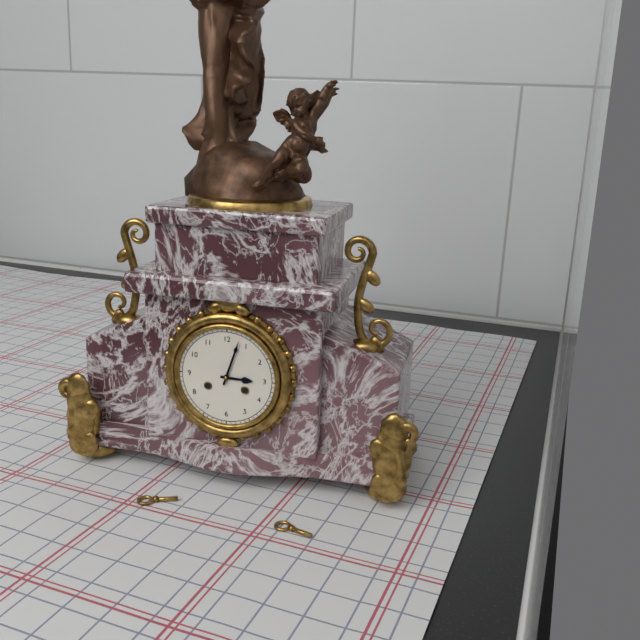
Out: {"hour": 3, "minute": 3}
